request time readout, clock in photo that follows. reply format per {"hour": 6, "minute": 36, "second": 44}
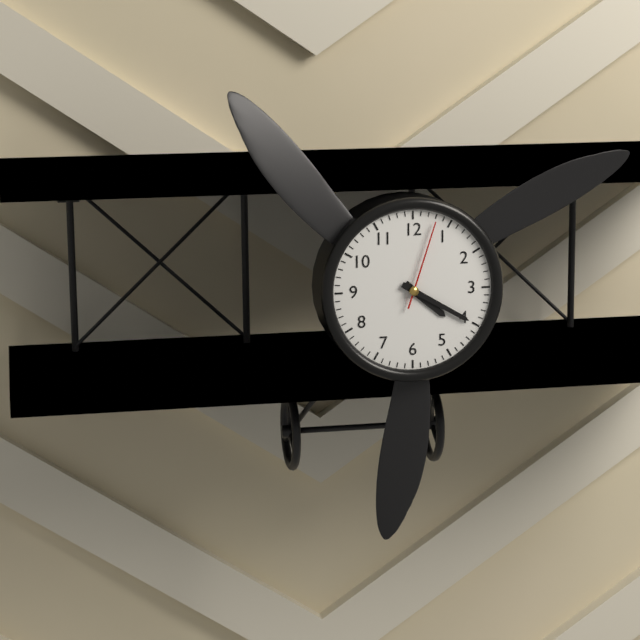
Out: {"hour": 4, "minute": 20, "second": 3}
